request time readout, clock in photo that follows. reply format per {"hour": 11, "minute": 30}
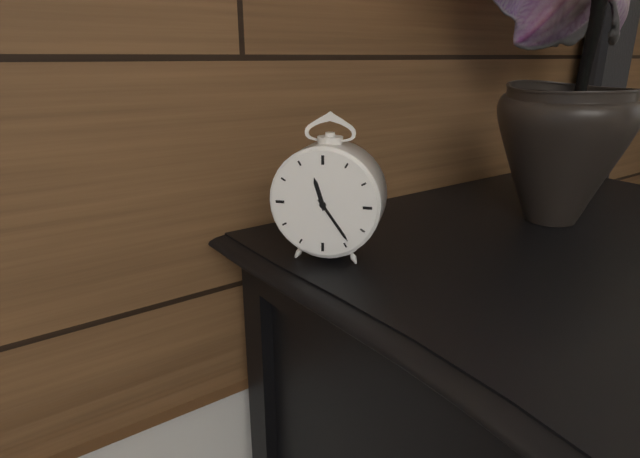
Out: {"hour": 11, "minute": 24}
